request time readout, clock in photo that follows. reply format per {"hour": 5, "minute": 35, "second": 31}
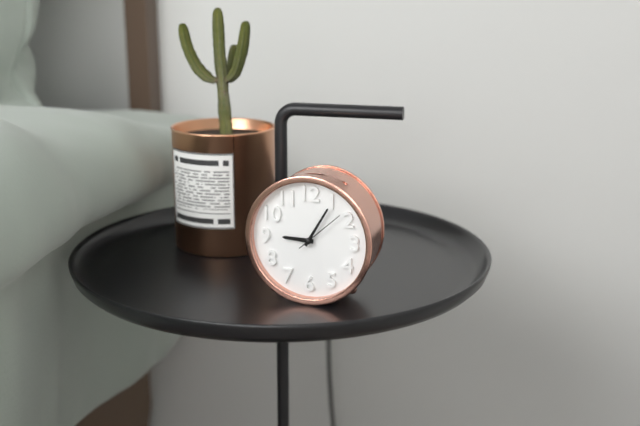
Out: {"hour": 9, "minute": 5, "second": 8}
